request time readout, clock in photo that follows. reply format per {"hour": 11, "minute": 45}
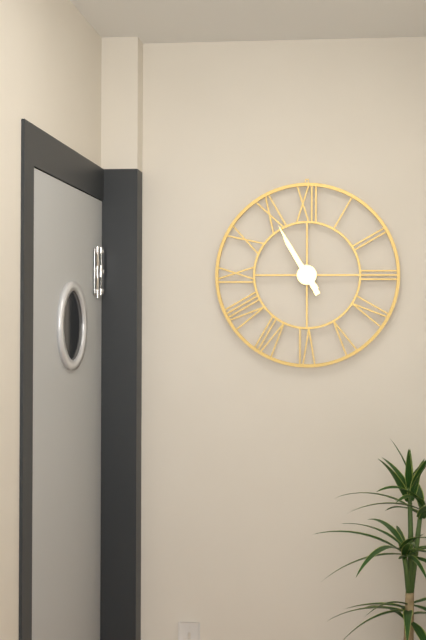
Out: {"hour": 10, "minute": 55}
